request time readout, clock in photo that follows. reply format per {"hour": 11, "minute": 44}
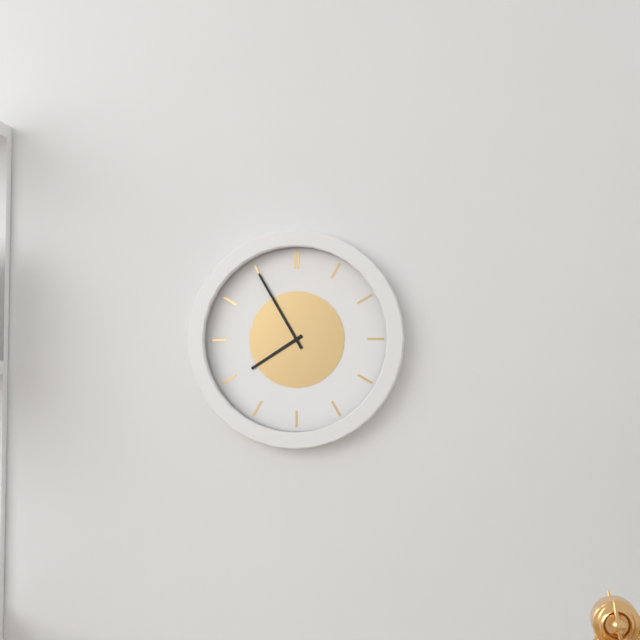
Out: {"hour": 7, "minute": 55}
